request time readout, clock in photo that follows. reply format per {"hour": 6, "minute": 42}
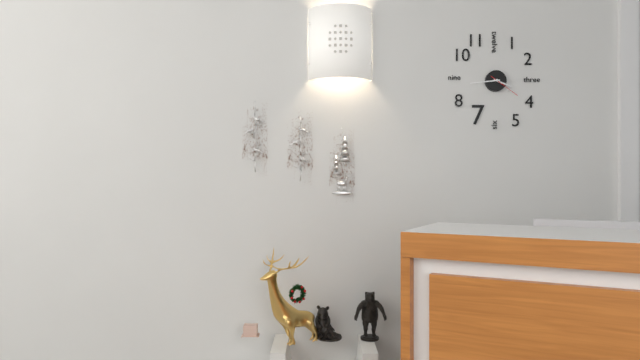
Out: {"hour": 3, "minute": 44}
